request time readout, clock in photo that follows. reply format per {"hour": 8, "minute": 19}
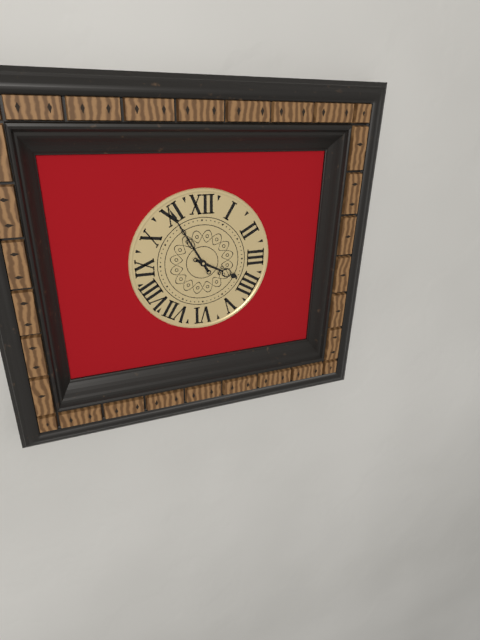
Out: {"hour": 3, "minute": 55}
